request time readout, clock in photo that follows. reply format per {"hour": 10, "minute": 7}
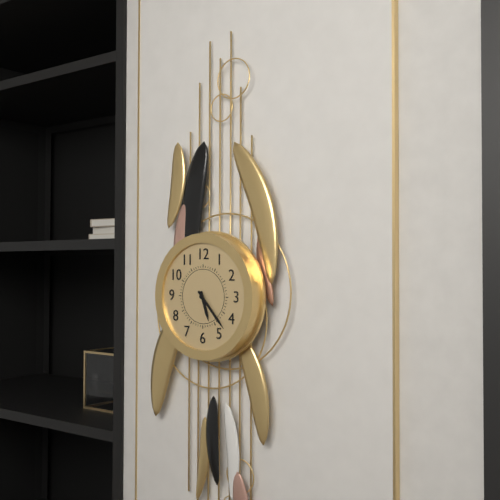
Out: {"hour": 5, "minute": 23}
